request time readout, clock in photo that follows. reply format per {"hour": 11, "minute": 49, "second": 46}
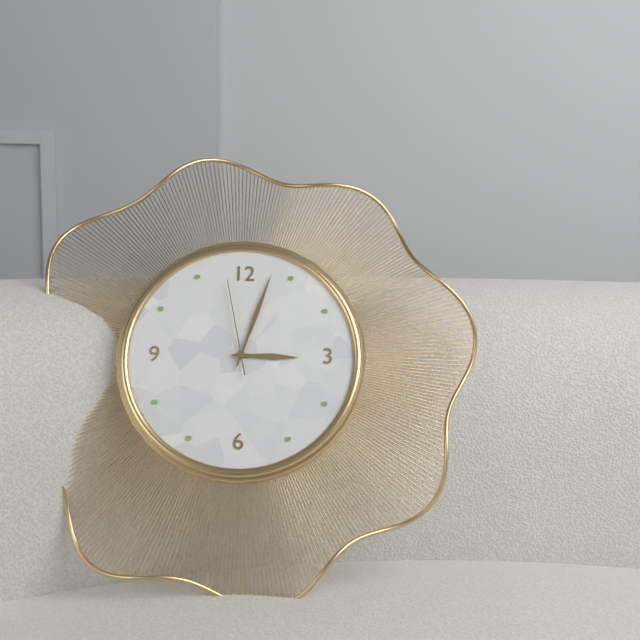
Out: {"hour": 3, "minute": 3, "second": 58}
